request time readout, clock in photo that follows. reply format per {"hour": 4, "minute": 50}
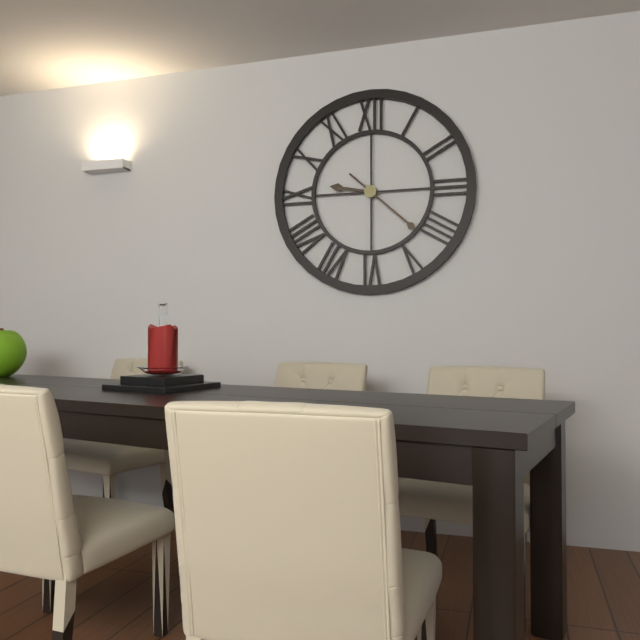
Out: {"hour": 9, "minute": 22}
